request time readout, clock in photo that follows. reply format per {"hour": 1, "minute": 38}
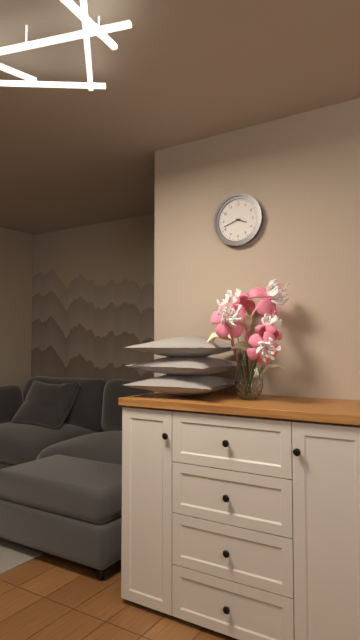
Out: {"hour": 3, "minute": 42}
